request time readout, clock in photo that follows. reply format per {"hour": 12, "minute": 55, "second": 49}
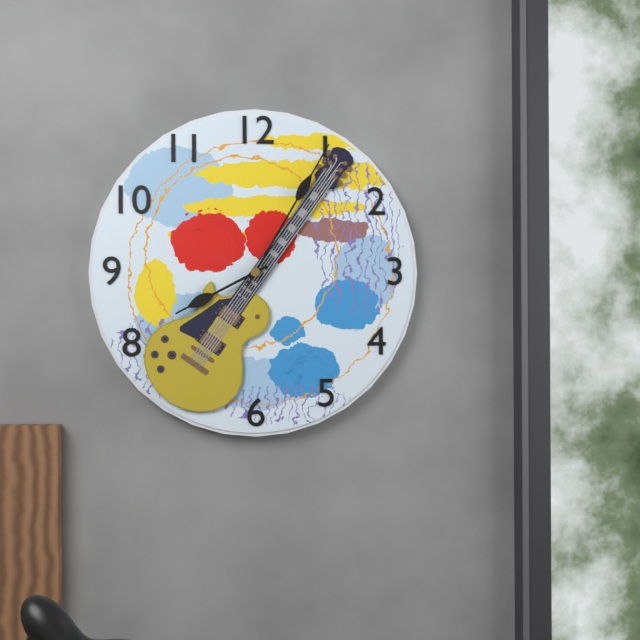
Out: {"hour": 8, "minute": 5, "second": 5}
